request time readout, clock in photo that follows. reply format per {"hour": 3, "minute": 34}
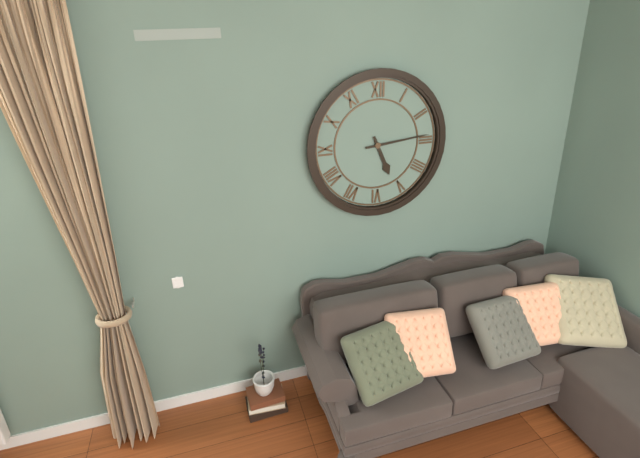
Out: {"hour": 5, "minute": 14}
